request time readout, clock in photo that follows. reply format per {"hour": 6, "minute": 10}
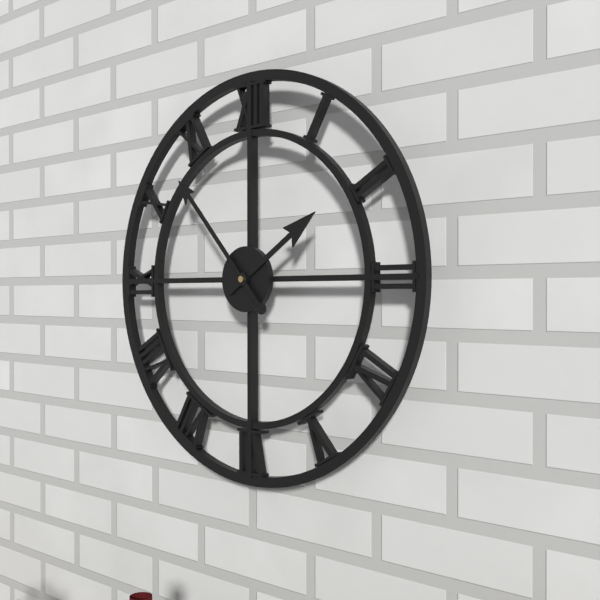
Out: {"hour": 1, "minute": 53}
